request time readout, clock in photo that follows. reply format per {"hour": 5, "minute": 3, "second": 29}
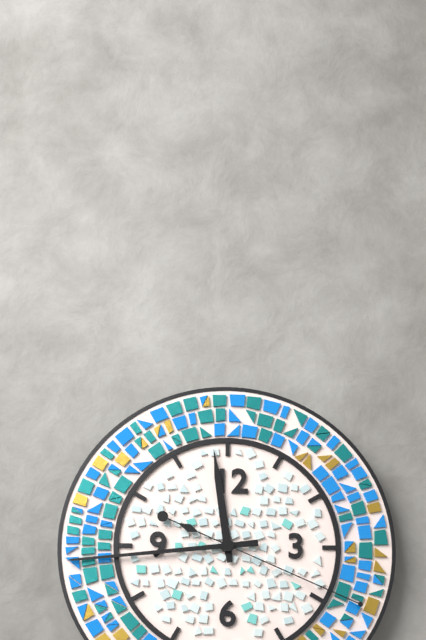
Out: {"hour": 11, "minute": 44, "second": 19}
